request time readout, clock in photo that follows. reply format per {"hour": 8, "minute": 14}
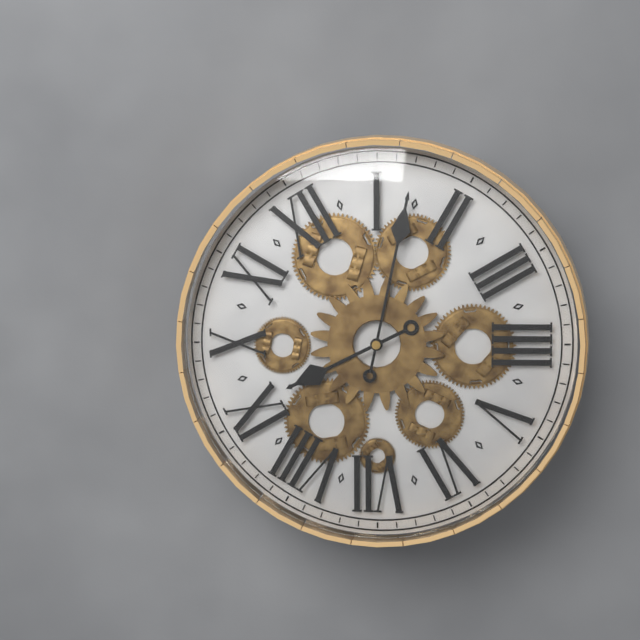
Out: {"hour": 9, "minute": 7}
